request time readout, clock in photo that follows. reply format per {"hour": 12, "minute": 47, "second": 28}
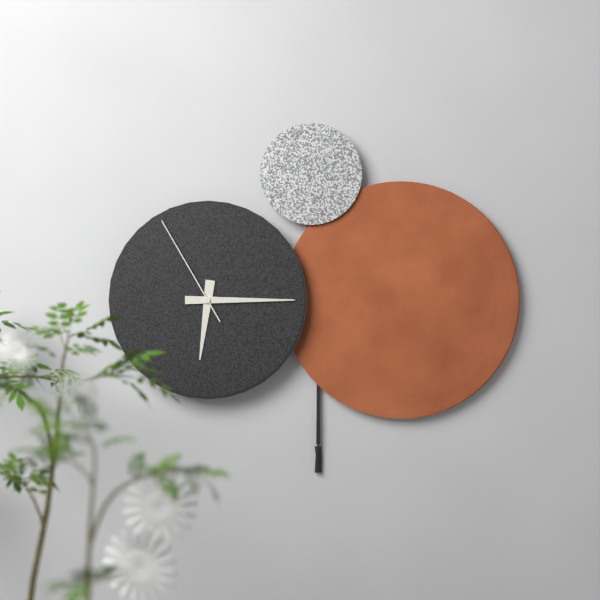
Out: {"hour": 6, "minute": 15, "second": 55}
